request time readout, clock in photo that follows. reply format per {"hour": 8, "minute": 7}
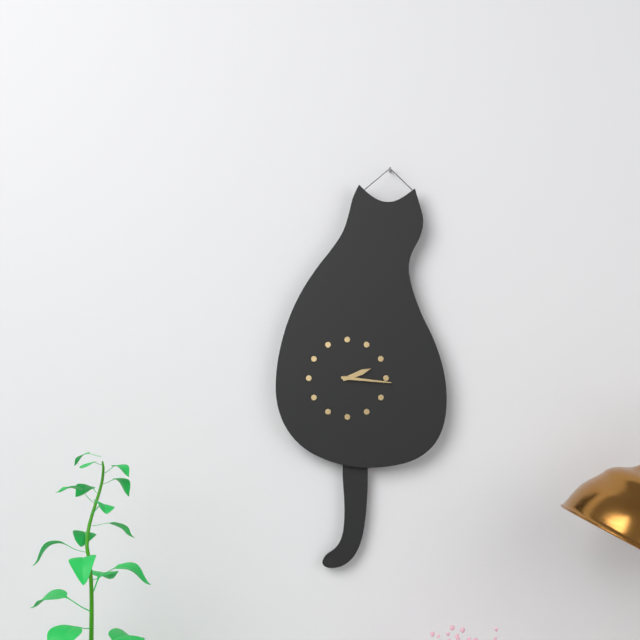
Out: {"hour": 2, "minute": 16}
